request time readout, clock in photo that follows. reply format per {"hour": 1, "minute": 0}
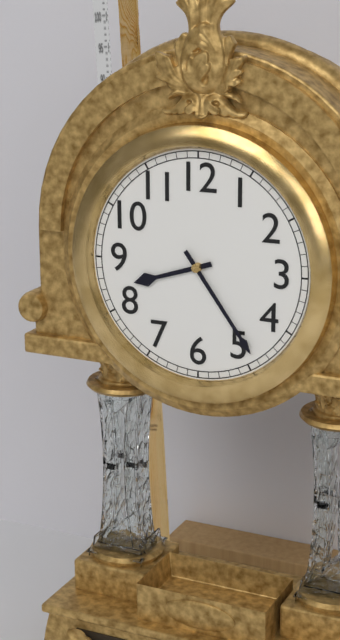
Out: {"hour": 8, "minute": 24}
